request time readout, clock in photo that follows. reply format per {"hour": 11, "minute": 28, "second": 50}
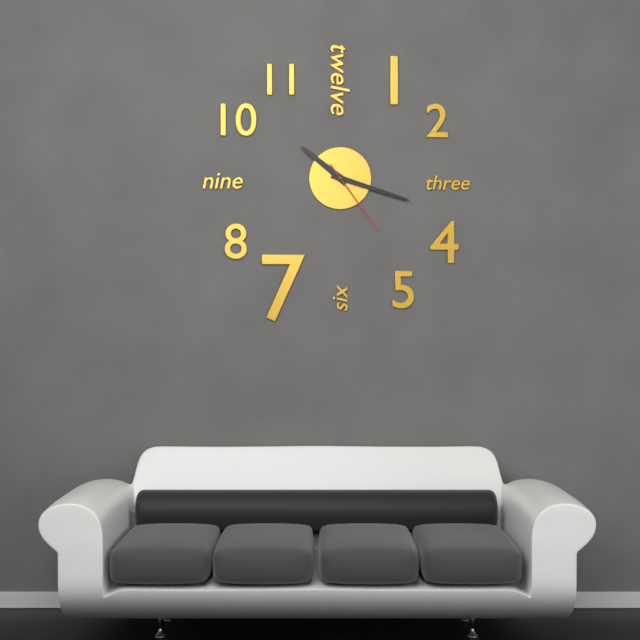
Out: {"hour": 10, "minute": 18, "second": 24}
